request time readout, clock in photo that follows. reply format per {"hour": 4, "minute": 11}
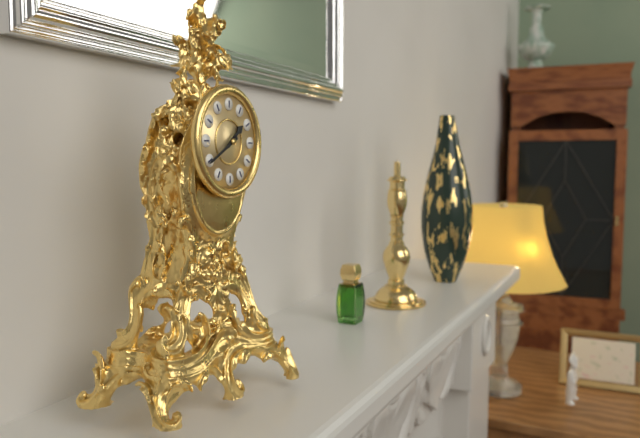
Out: {"hour": 1, "minute": 40}
